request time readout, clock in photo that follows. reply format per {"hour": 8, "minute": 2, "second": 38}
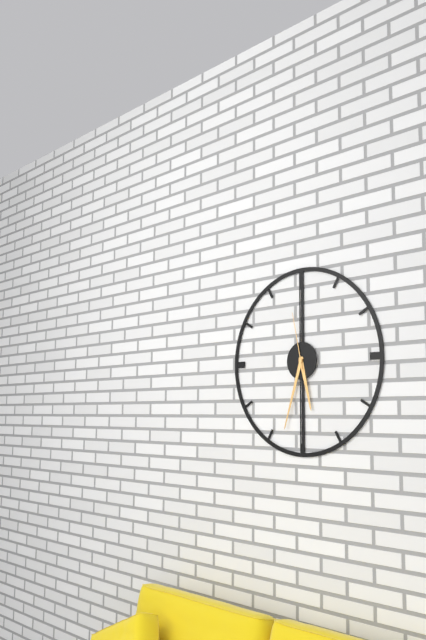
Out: {"hour": 5, "minute": 33, "second": 58}
